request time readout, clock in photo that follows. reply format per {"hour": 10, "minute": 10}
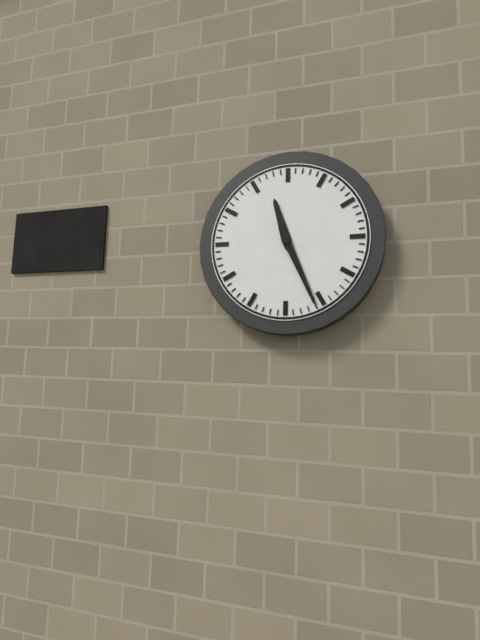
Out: {"hour": 11, "minute": 26}
